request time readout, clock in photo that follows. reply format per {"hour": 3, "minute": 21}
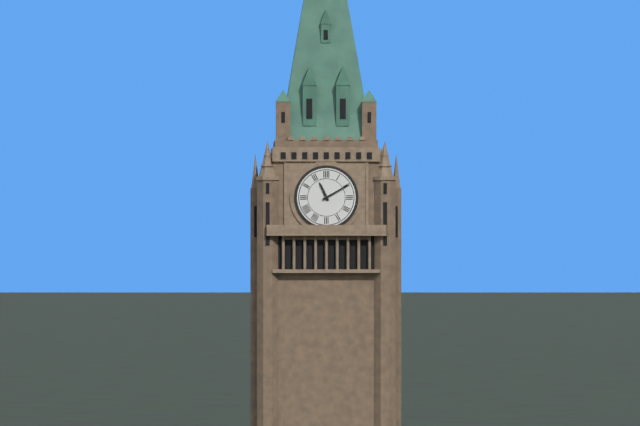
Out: {"hour": 11, "minute": 10}
